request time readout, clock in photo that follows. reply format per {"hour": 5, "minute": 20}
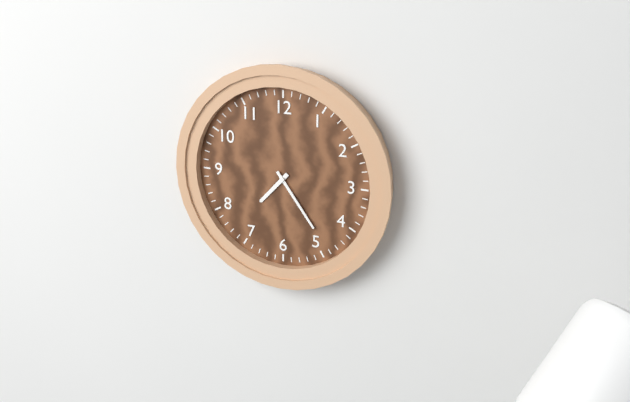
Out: {"hour": 7, "minute": 24}
